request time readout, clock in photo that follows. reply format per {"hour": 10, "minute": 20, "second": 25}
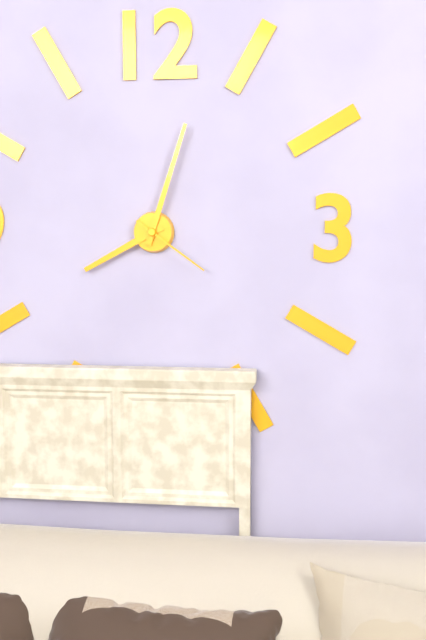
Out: {"hour": 8, "minute": 3, "second": 21}
